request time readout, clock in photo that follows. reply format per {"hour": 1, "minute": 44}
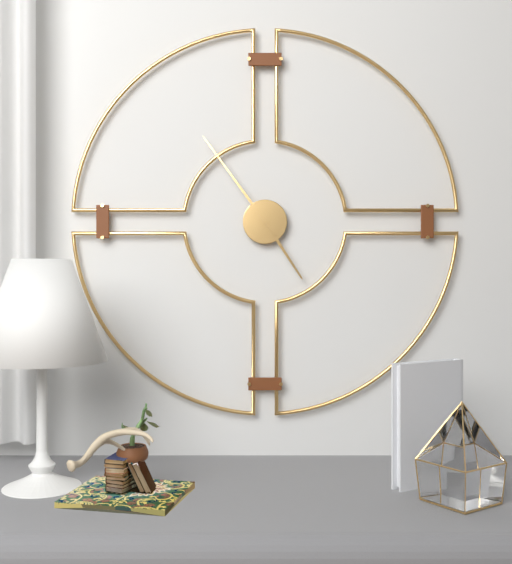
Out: {"hour": 4, "minute": 54}
